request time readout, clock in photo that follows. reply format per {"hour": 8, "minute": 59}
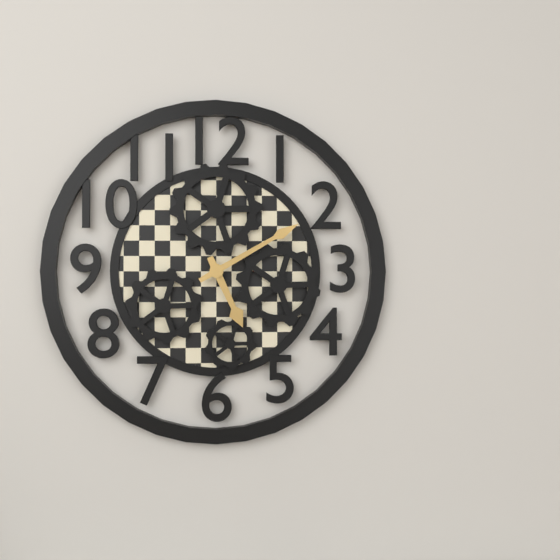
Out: {"hour": 5, "minute": 10}
